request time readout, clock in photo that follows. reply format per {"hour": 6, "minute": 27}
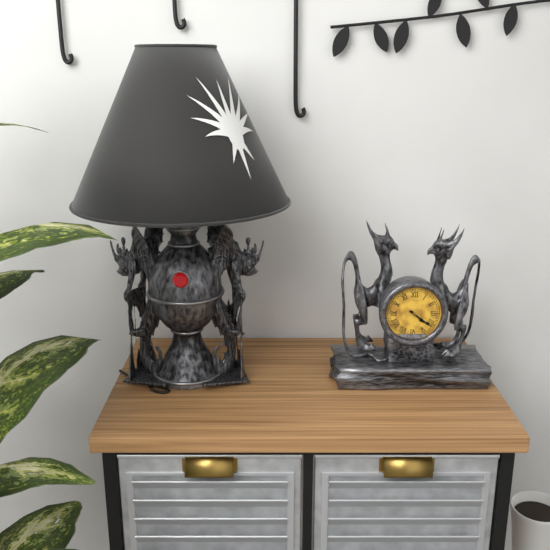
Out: {"hour": 4, "minute": 21}
